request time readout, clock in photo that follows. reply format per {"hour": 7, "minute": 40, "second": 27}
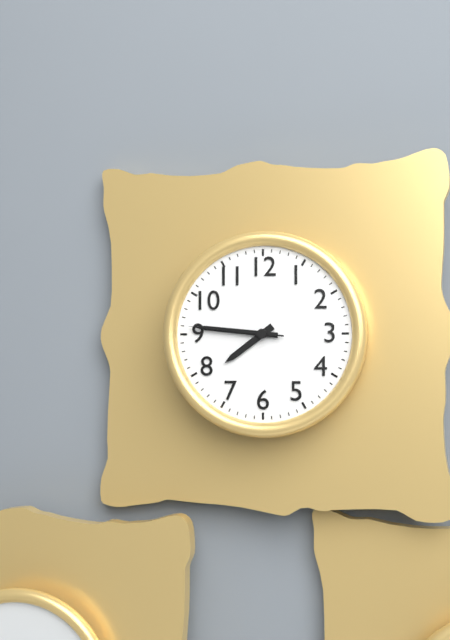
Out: {"hour": 7, "minute": 46, "second": 46}
